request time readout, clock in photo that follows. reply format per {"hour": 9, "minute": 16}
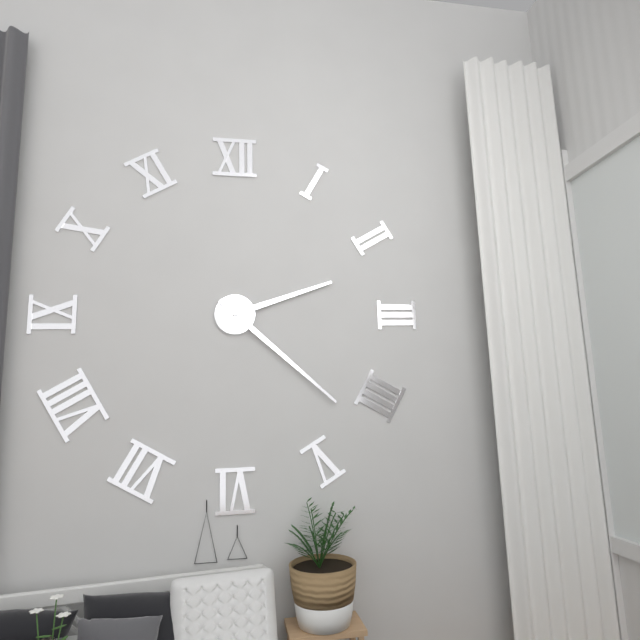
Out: {"hour": 2, "minute": 22}
